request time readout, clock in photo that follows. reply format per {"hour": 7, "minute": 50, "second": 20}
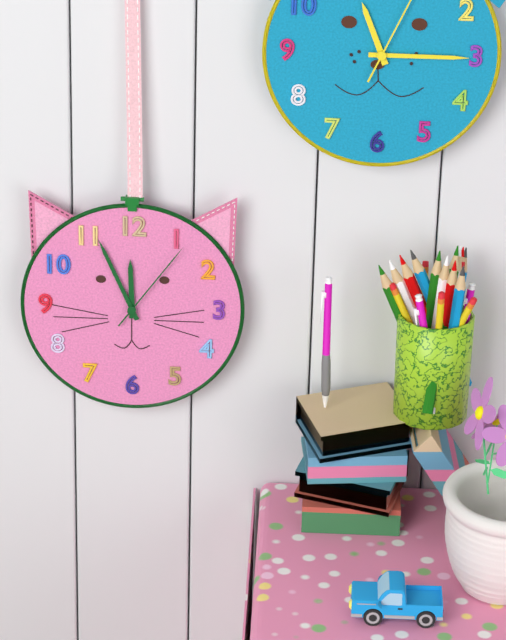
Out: {"hour": 11, "minute": 56, "second": 6}
